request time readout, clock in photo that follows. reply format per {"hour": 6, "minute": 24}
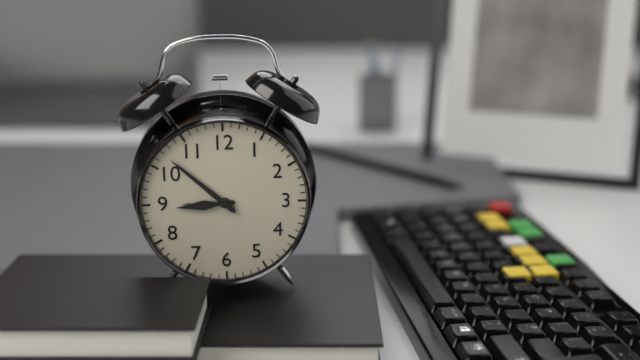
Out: {"hour": 8, "minute": 52}
